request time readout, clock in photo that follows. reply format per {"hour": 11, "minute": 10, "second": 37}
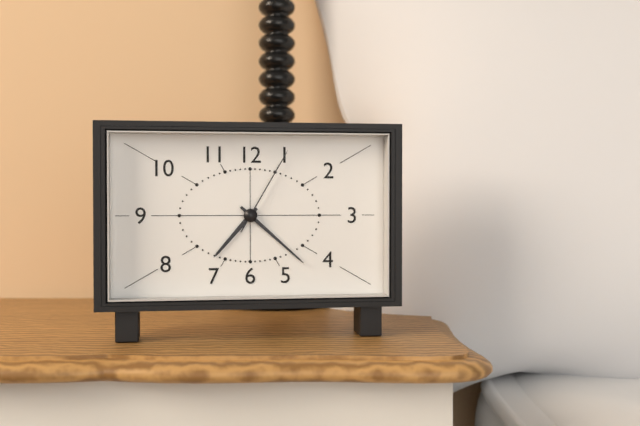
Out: {"hour": 7, "minute": 22, "second": 5}
